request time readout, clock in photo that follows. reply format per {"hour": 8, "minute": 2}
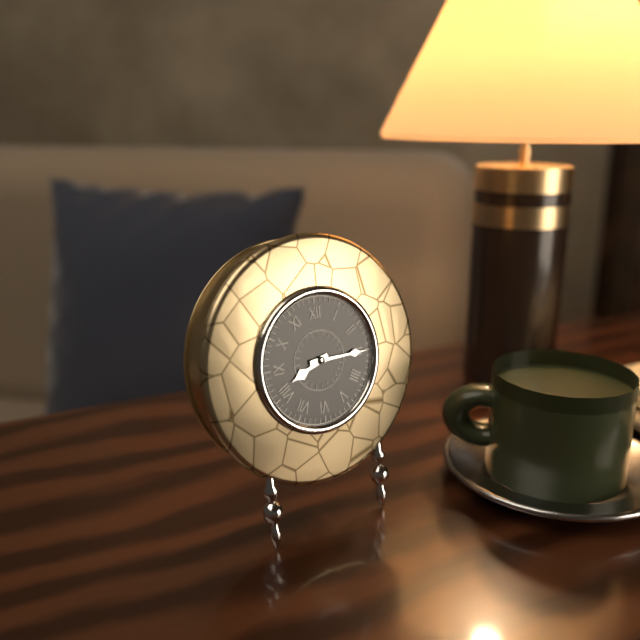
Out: {"hour": 8, "minute": 15}
